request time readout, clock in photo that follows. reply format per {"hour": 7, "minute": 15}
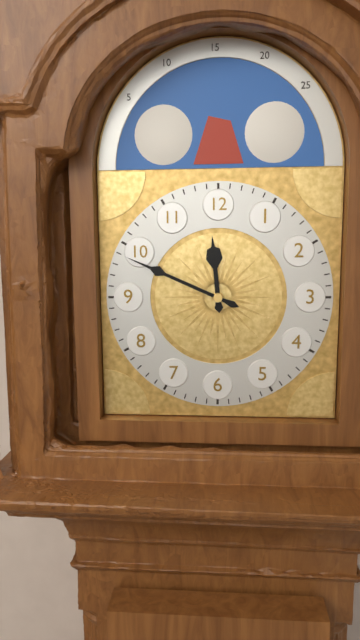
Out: {"hour": 11, "minute": 49}
